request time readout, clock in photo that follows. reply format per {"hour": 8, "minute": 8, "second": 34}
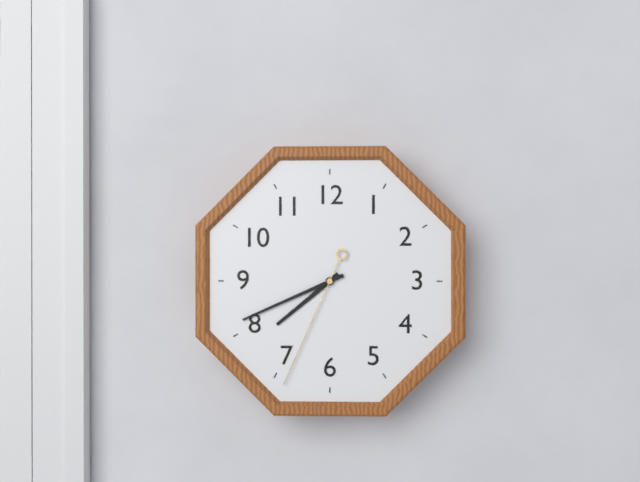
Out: {"hour": 7, "minute": 41, "second": 34}
